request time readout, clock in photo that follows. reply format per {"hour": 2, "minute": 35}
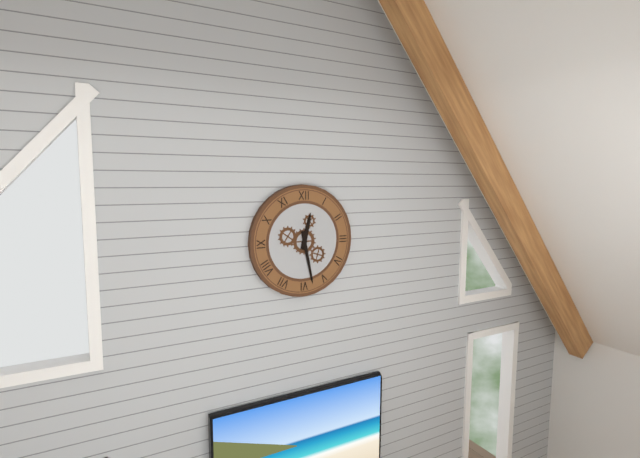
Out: {"hour": 12, "minute": 28}
